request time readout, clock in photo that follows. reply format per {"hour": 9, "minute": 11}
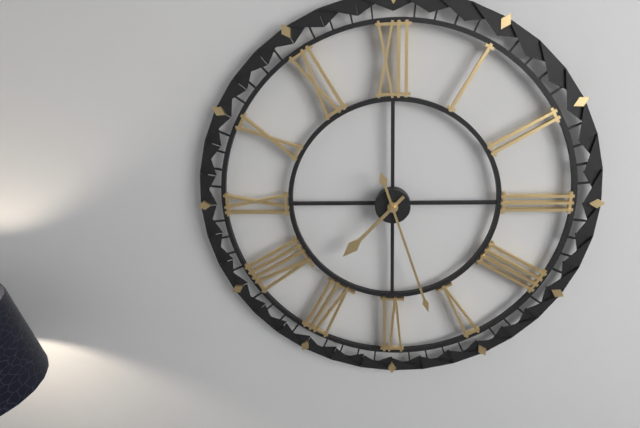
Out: {"hour": 7, "minute": 27}
